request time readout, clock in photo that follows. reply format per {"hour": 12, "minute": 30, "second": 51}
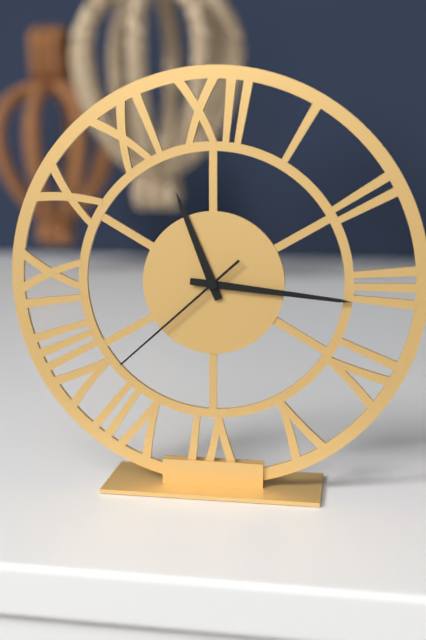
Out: {"hour": 11, "minute": 16, "second": 38}
